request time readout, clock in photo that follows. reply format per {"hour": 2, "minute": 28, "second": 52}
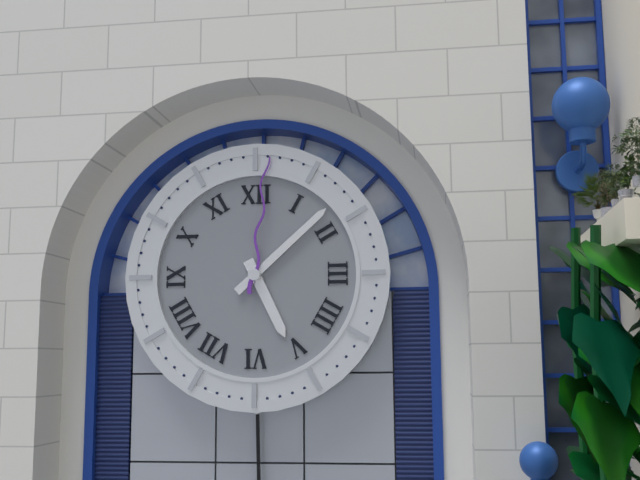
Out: {"hour": 5, "minute": 8, "second": 1}
